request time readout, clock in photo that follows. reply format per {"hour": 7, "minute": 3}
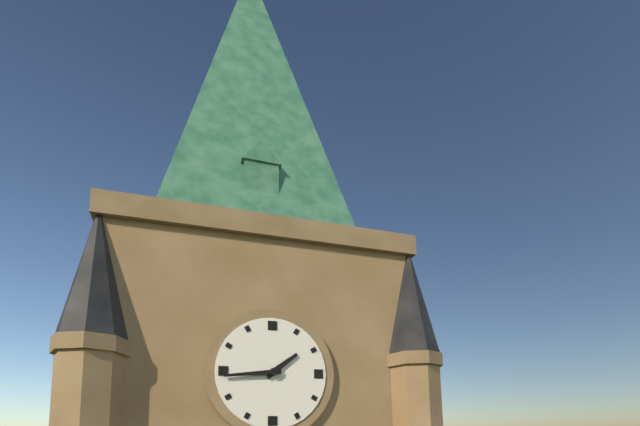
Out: {"hour": 1, "minute": 44}
